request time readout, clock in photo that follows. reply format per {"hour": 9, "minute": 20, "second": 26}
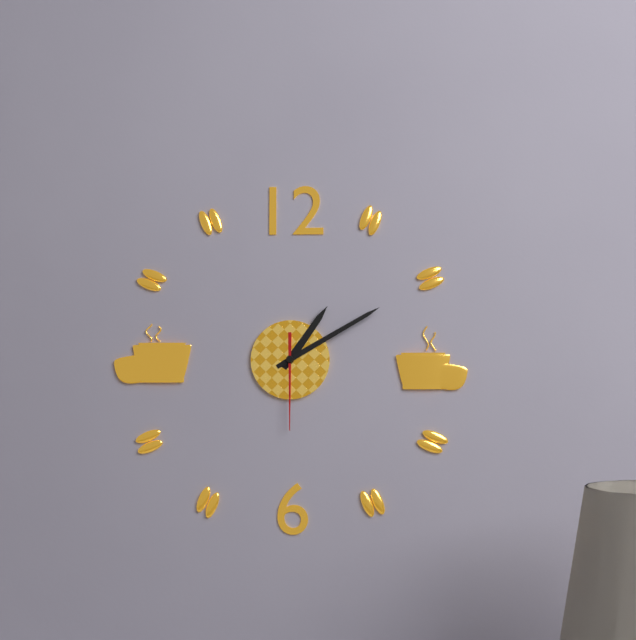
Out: {"hour": 1, "minute": 10, "second": 30}
